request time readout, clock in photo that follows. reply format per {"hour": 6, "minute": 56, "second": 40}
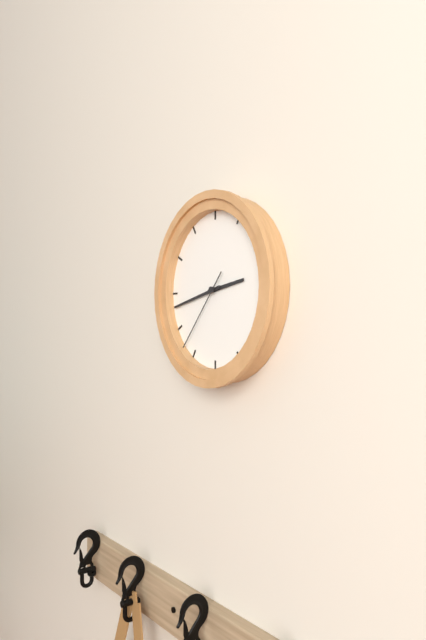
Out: {"hour": 2, "minute": 43, "second": 37}
